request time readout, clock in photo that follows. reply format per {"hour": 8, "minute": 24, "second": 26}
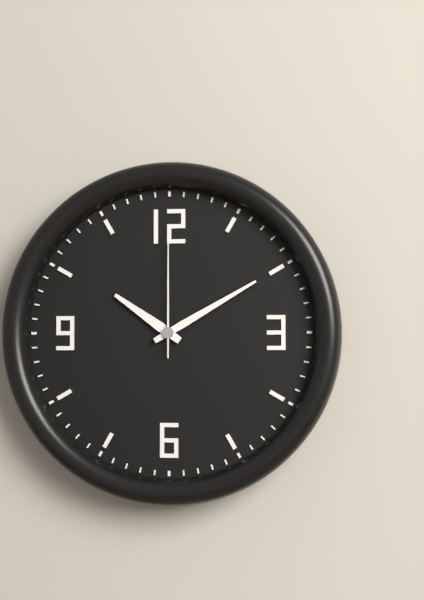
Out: {"hour": 10, "minute": 10, "second": 0}
